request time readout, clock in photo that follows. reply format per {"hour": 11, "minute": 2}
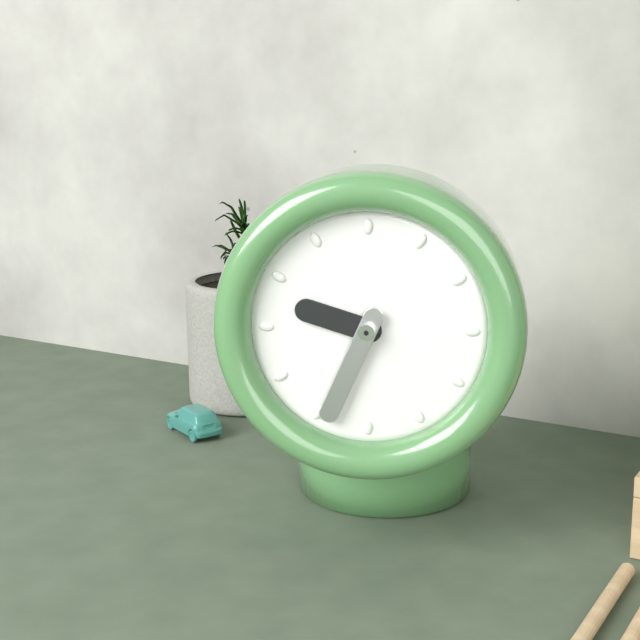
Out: {"hour": 9, "minute": 34}
